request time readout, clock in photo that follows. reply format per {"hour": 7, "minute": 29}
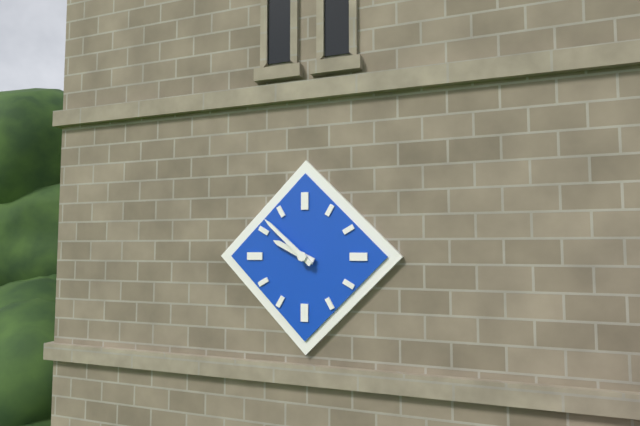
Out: {"hour": 9, "minute": 52}
